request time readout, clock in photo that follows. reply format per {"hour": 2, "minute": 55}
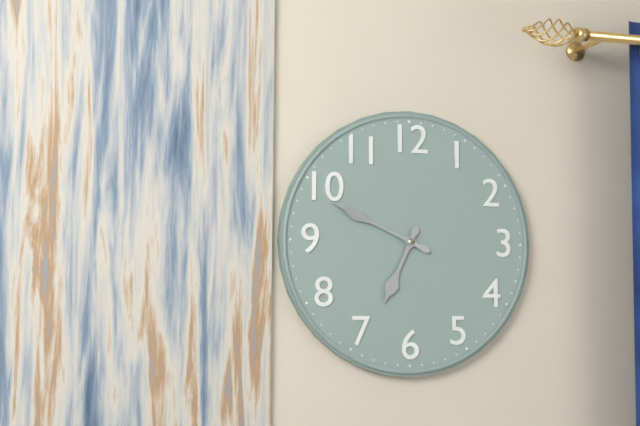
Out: {"hour": 6, "minute": 49}
